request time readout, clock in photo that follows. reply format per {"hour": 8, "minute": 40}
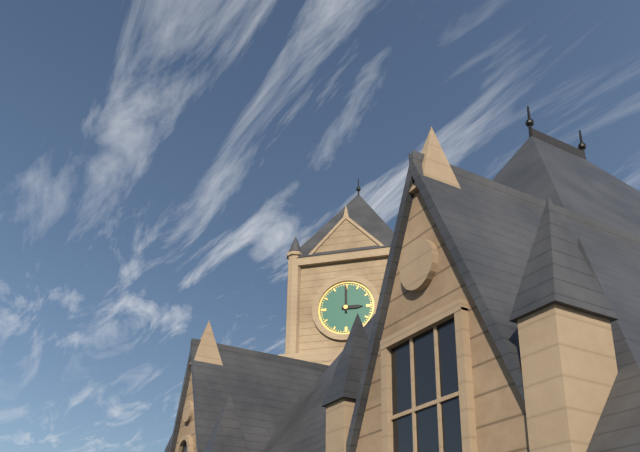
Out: {"hour": 3, "minute": 0}
